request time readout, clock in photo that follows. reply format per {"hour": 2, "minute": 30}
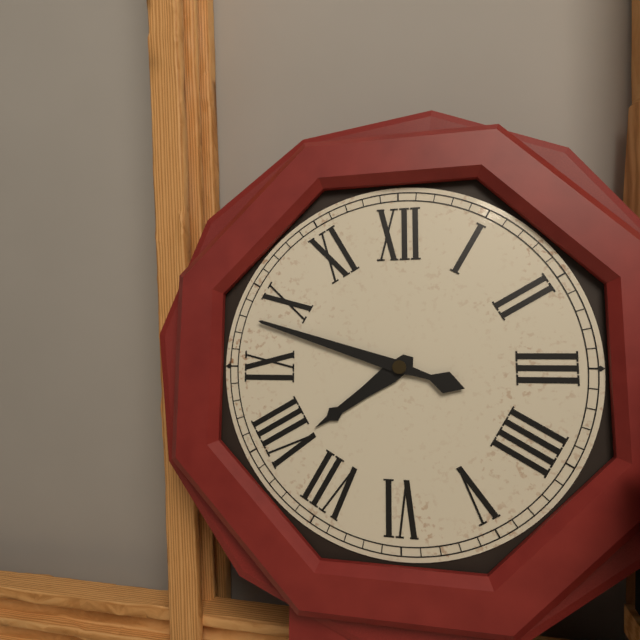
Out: {"hour": 7, "minute": 48}
